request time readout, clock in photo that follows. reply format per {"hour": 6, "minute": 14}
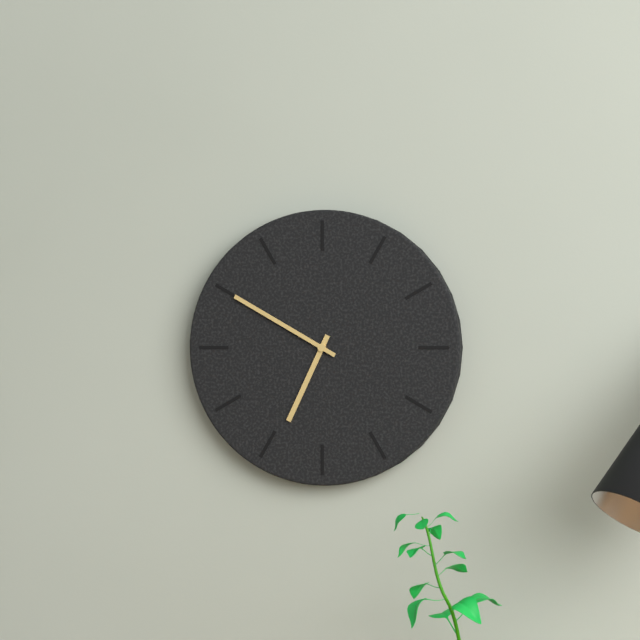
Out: {"hour": 6, "minute": 50}
